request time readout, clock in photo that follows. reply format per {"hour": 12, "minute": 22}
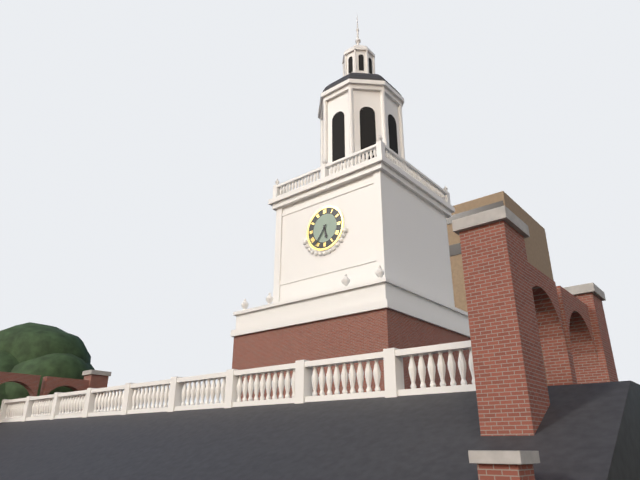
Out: {"hour": 5, "minute": 36}
